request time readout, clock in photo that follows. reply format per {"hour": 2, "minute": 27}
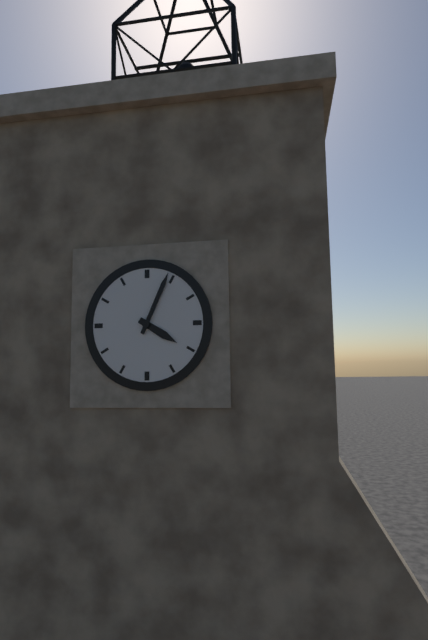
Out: {"hour": 4, "minute": 4}
